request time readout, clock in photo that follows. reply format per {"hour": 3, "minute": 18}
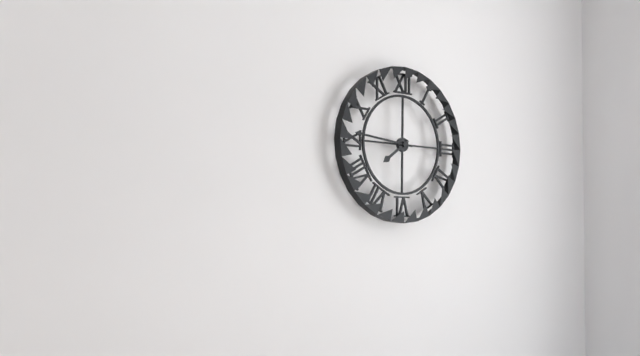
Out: {"hour": 7, "minute": 46}
